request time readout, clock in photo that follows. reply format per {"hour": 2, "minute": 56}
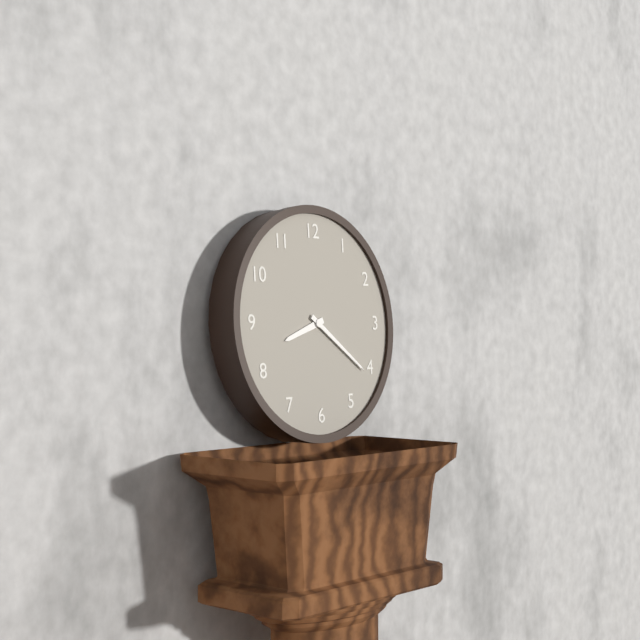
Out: {"hour": 8, "minute": 21}
